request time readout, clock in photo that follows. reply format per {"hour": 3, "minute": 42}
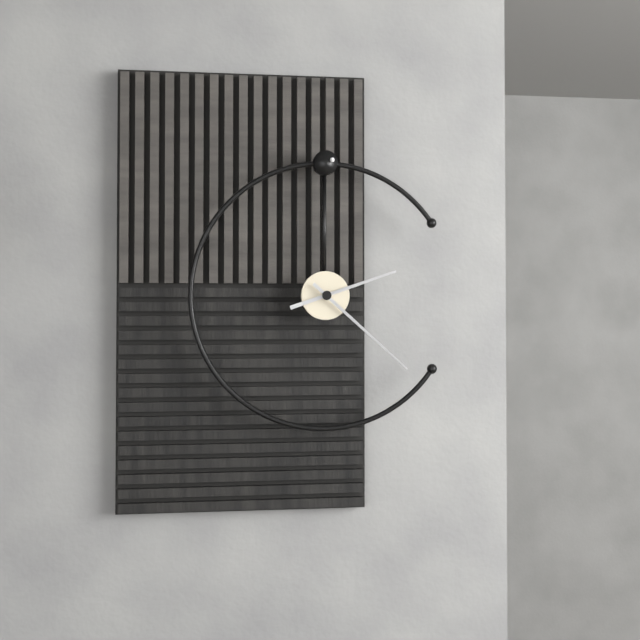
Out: {"hour": 2, "minute": 22}
